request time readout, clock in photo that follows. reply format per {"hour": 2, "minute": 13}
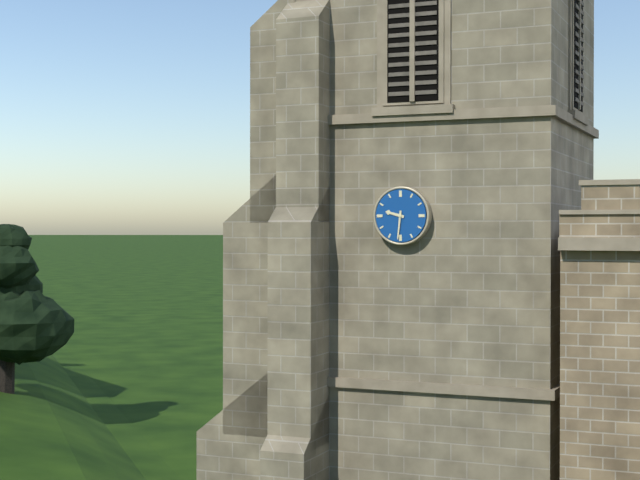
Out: {"hour": 9, "minute": 31}
